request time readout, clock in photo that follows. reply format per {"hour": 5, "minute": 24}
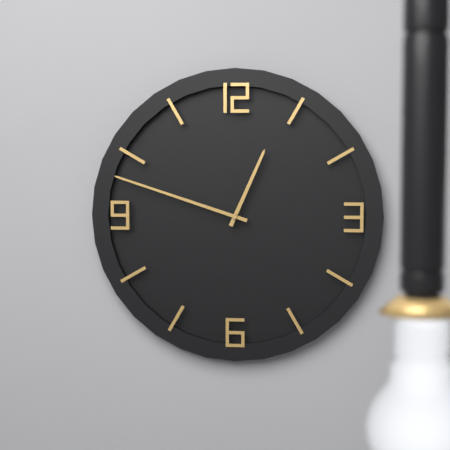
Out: {"hour": 12, "minute": 48}
